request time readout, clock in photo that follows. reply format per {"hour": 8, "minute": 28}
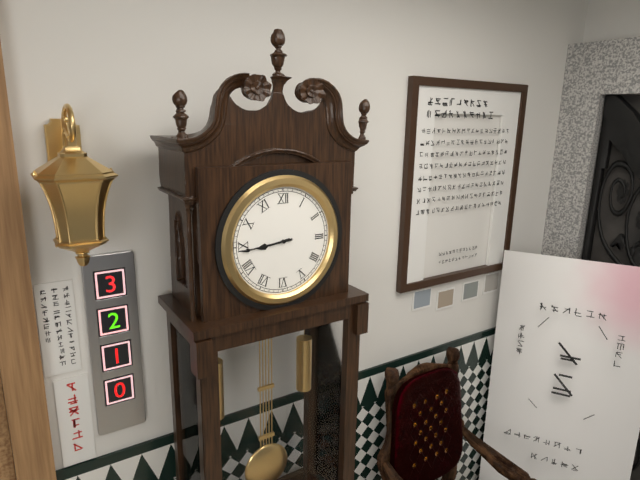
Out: {"hour": 8, "minute": 44}
